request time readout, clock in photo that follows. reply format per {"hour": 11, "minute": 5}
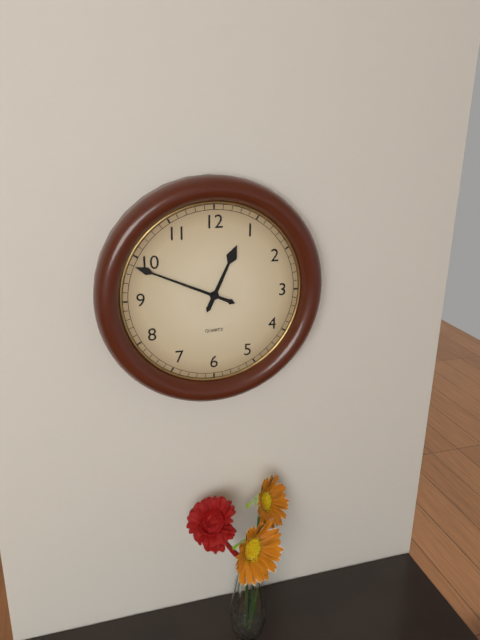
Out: {"hour": 12, "minute": 49}
